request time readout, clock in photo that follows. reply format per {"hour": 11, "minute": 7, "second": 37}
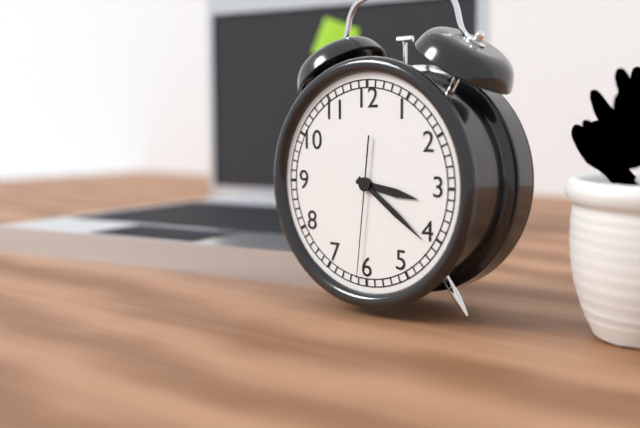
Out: {"hour": 3, "minute": 21, "second": 31}
